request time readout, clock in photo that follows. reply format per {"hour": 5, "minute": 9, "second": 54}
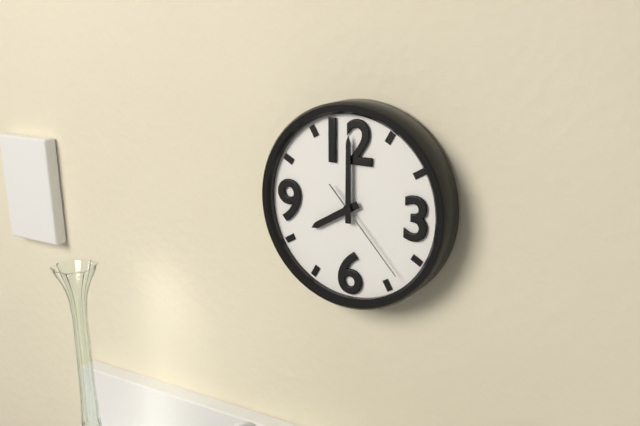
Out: {"hour": 8, "minute": 0, "second": 23}
